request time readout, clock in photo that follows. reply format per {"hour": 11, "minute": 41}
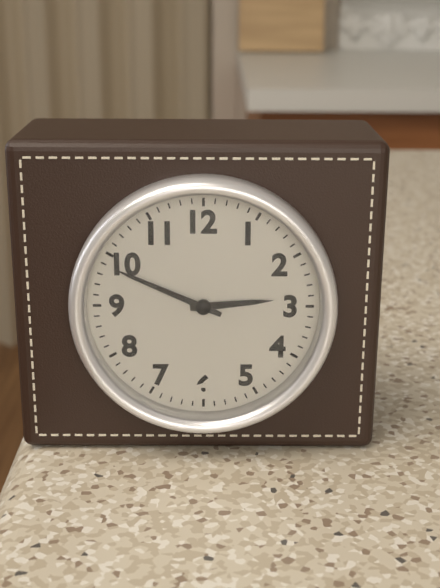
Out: {"hour": 2, "minute": 49}
